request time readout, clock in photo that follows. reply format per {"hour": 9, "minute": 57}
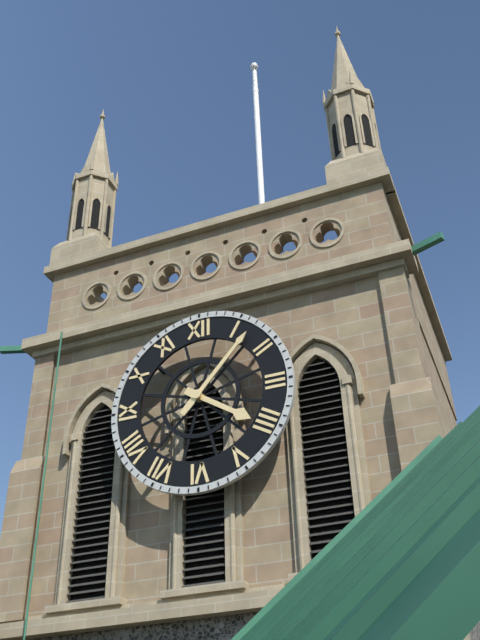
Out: {"hour": 4, "minute": 7}
